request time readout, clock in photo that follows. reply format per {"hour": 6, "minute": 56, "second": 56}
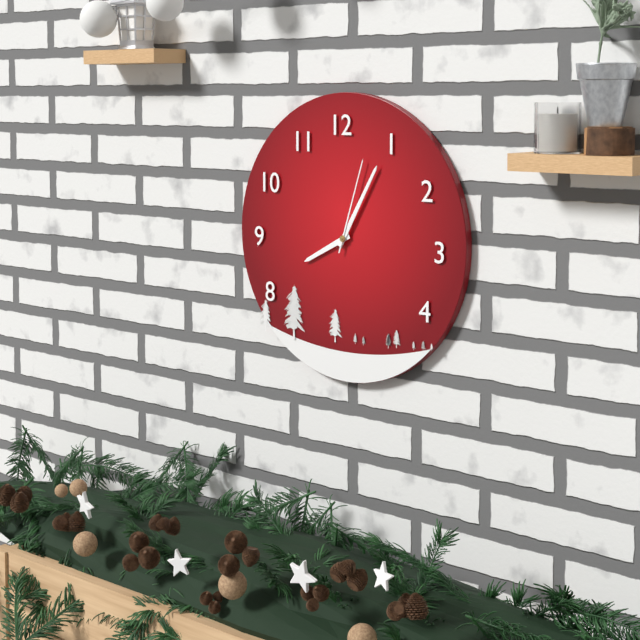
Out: {"hour": 8, "minute": 5, "second": 3}
